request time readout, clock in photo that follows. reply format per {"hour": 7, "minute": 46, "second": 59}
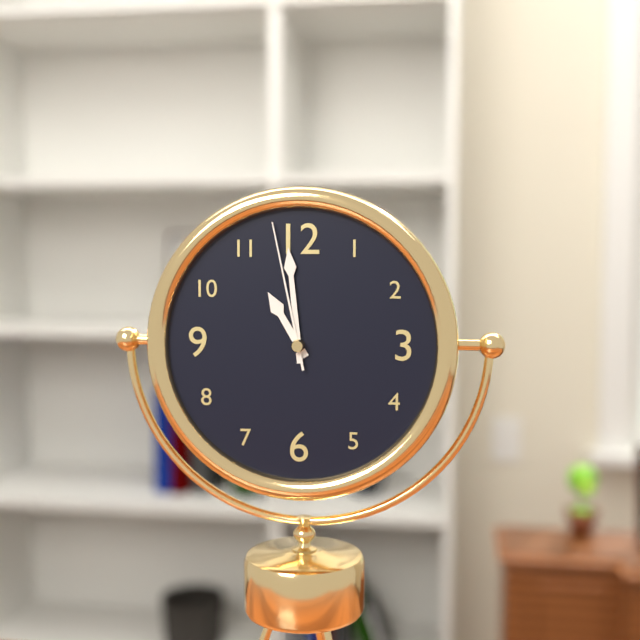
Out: {"hour": 10, "minute": 59, "second": 58}
